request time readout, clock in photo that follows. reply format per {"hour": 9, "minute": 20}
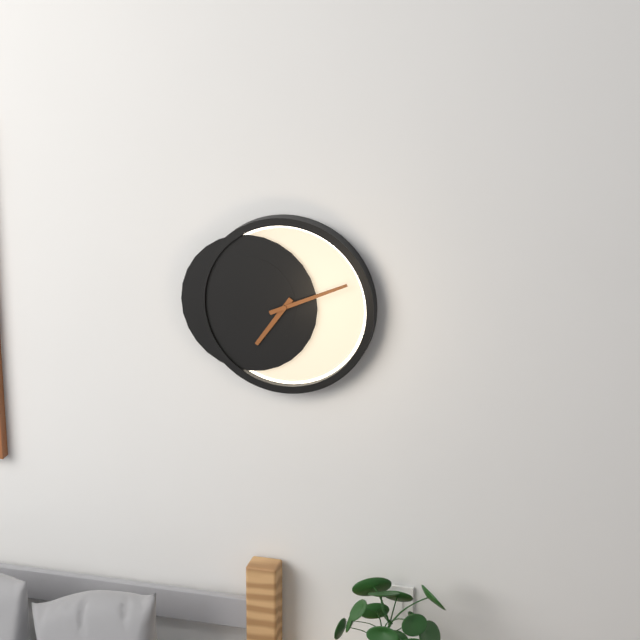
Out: {"hour": 7, "minute": 11}
